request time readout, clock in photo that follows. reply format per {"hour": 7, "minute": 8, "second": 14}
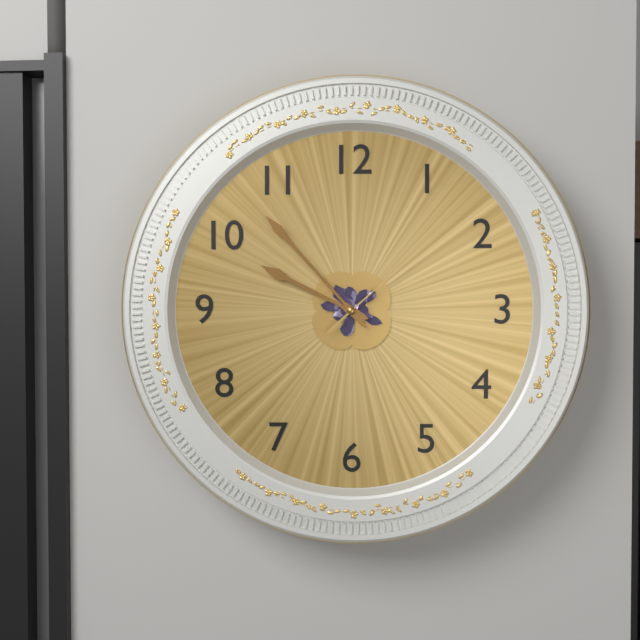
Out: {"hour": 9, "minute": 53, "second": 8}
